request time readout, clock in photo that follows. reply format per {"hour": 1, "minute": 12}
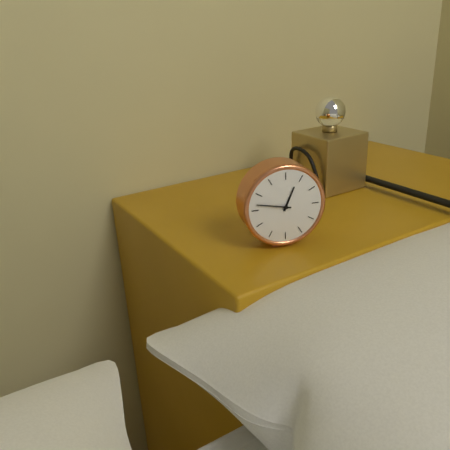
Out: {"hour": 12, "minute": 47}
